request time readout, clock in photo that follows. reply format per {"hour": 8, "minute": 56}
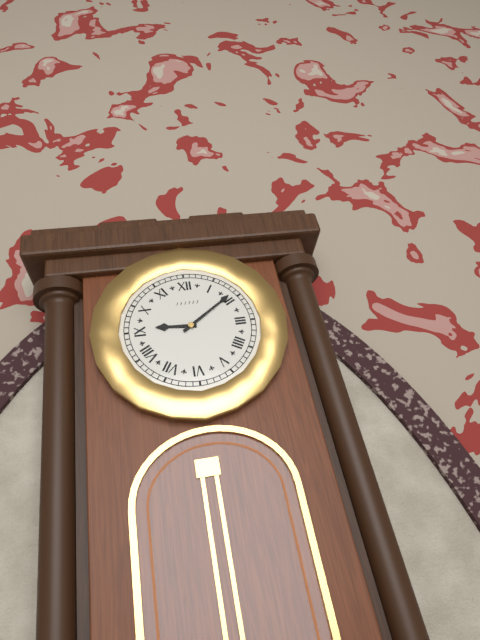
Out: {"hour": 9, "minute": 9}
